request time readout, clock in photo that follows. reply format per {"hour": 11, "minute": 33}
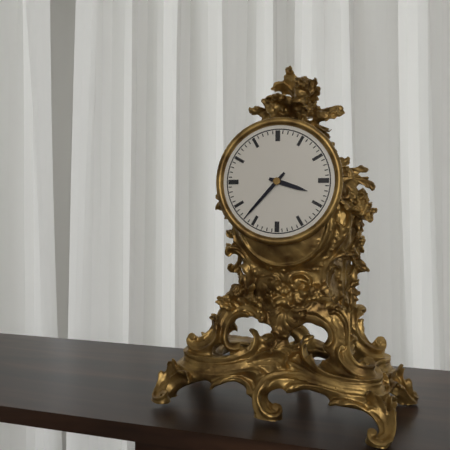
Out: {"hour": 3, "minute": 37}
